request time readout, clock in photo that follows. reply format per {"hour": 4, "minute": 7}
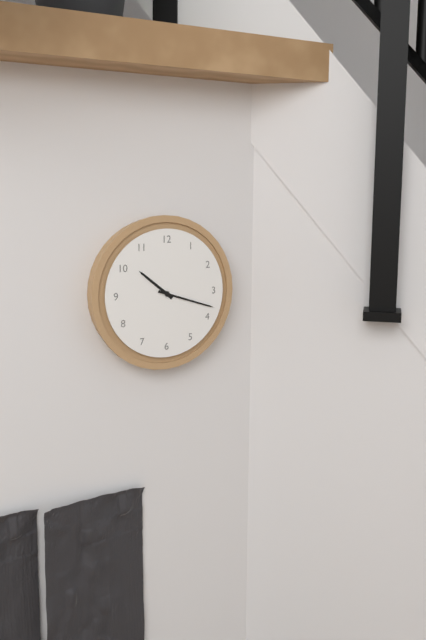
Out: {"hour": 10, "minute": 18}
